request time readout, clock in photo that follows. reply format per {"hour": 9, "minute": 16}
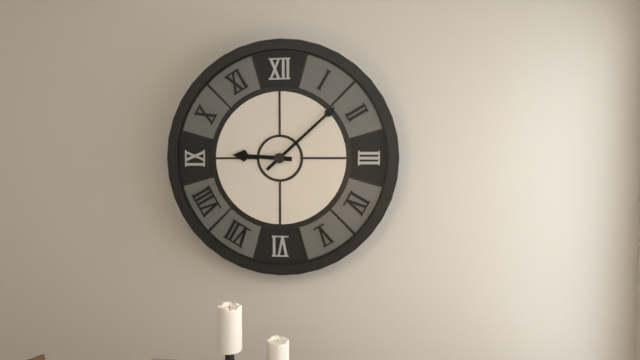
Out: {"hour": 9, "minute": 8}
